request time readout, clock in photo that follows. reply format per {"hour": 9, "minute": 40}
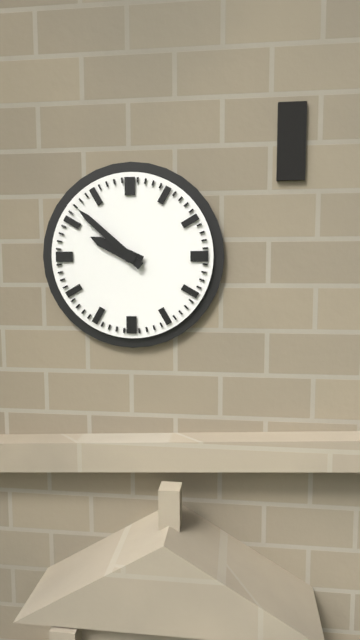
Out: {"hour": 9, "minute": 52}
